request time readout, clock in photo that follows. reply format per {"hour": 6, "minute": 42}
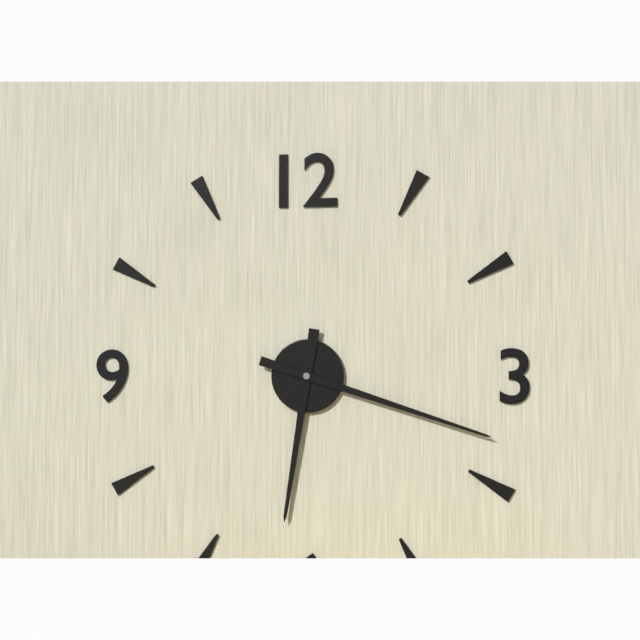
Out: {"hour": 6, "minute": 18}
